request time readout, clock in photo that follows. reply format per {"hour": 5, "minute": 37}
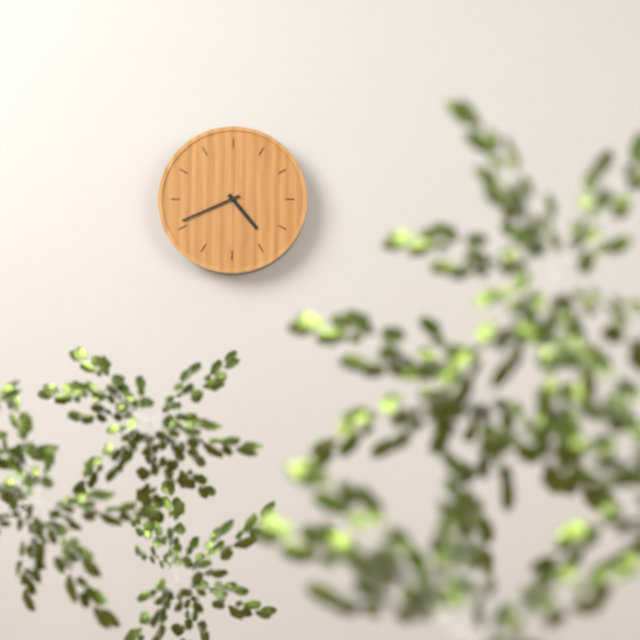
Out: {"hour": 4, "minute": 41}
